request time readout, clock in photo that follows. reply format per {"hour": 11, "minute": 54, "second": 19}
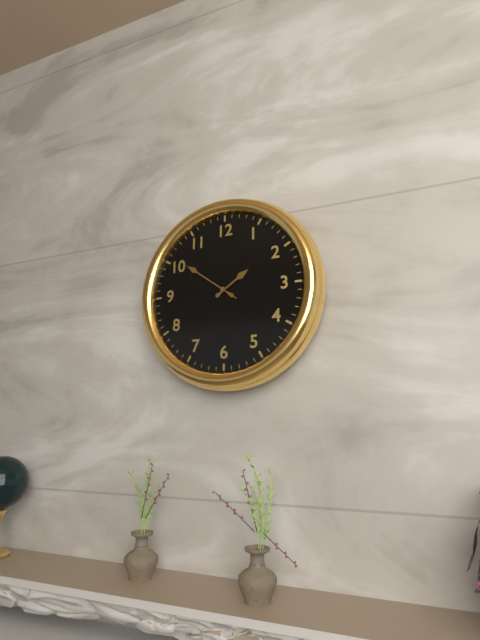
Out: {"hour": 1, "minute": 51, "second": 51}
